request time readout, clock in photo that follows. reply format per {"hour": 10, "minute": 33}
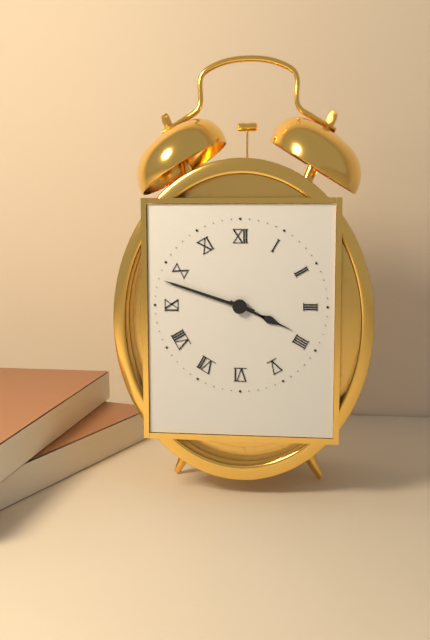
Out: {"hour": 3, "minute": 48}
